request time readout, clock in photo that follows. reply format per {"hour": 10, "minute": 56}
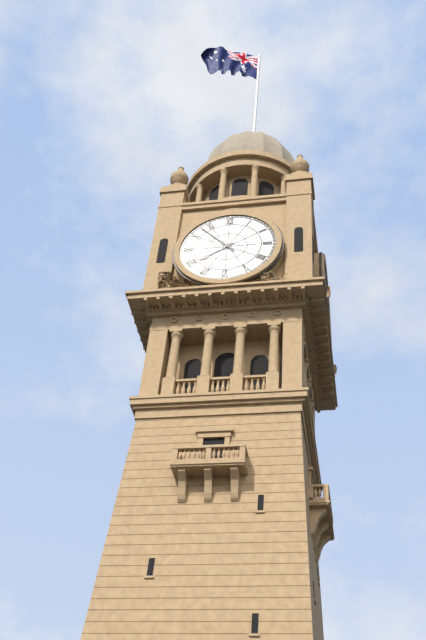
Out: {"hour": 7, "minute": 53}
